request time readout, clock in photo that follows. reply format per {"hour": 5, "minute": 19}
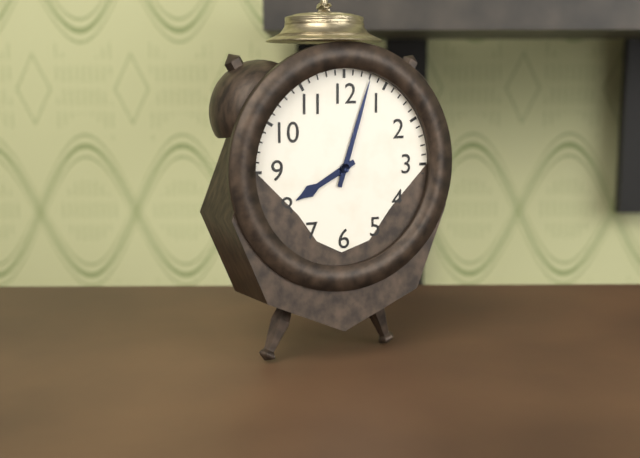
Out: {"hour": 8, "minute": 3}
